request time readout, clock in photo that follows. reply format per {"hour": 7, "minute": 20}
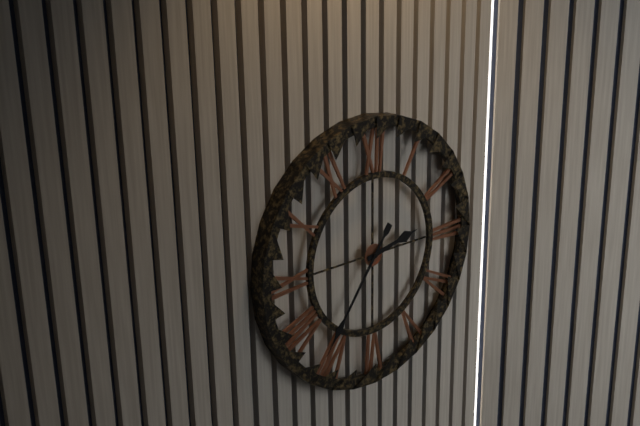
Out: {"hour": 2, "minute": 36}
